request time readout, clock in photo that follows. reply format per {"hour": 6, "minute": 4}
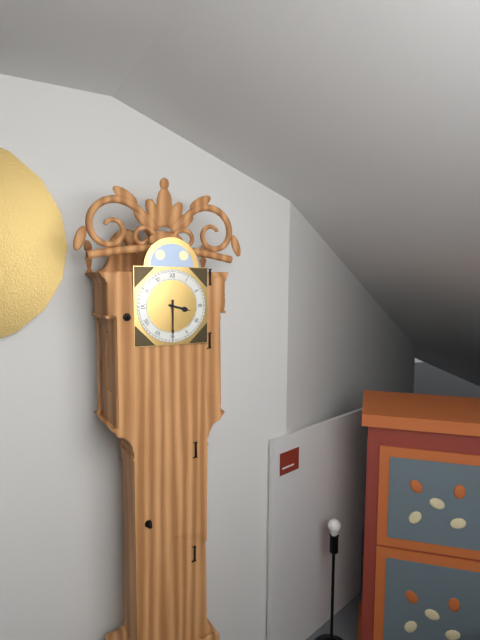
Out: {"hour": 3, "minute": 30}
